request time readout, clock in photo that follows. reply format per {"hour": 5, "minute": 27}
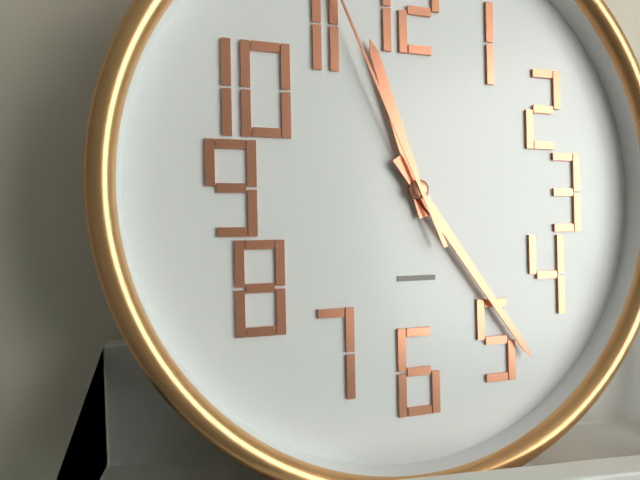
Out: {"hour": 11, "minute": 24}
